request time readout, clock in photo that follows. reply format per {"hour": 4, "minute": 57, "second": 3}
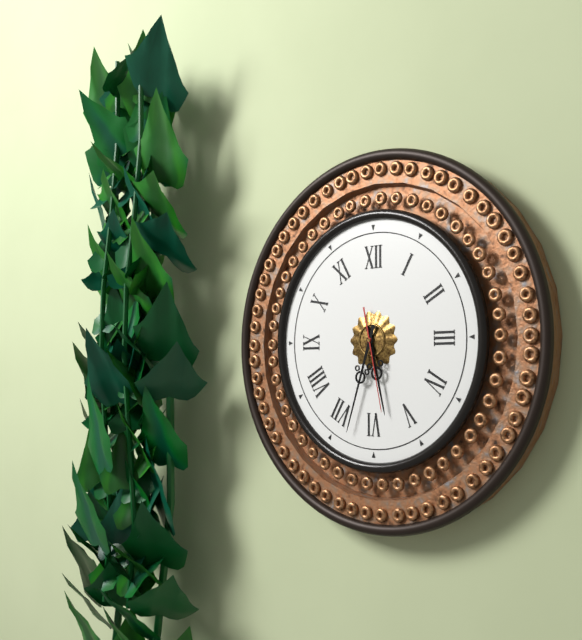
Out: {"hour": 5, "minute": 33, "second": 28}
